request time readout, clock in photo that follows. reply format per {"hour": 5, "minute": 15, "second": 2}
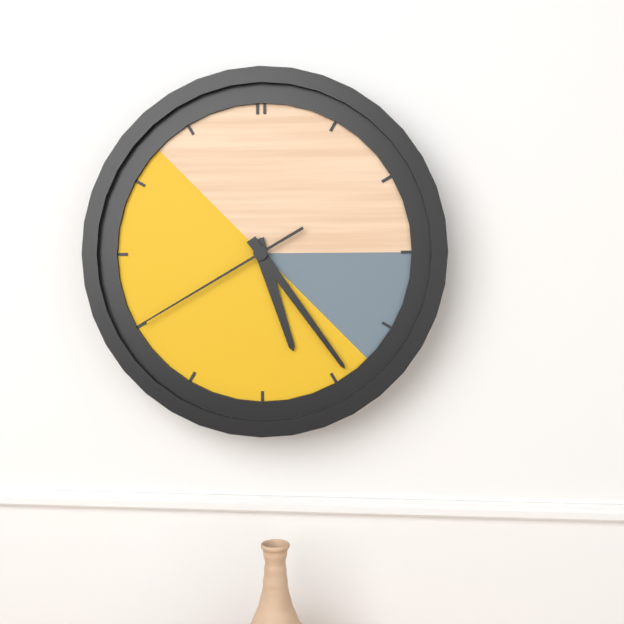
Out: {"hour": 5, "minute": 24, "second": 40}
